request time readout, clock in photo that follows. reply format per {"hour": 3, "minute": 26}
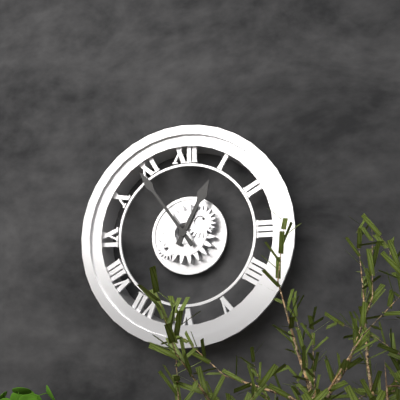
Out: {"hour": 12, "minute": 54}
